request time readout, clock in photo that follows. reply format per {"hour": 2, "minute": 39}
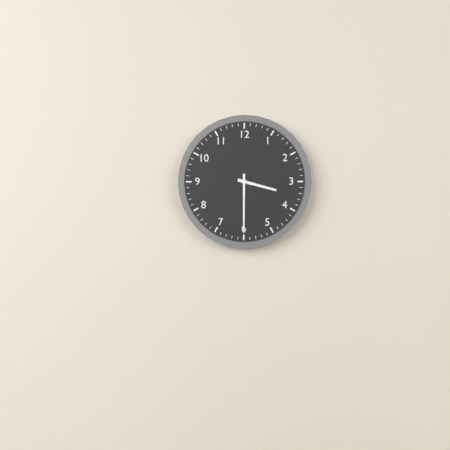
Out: {"hour": 3, "minute": 30}
